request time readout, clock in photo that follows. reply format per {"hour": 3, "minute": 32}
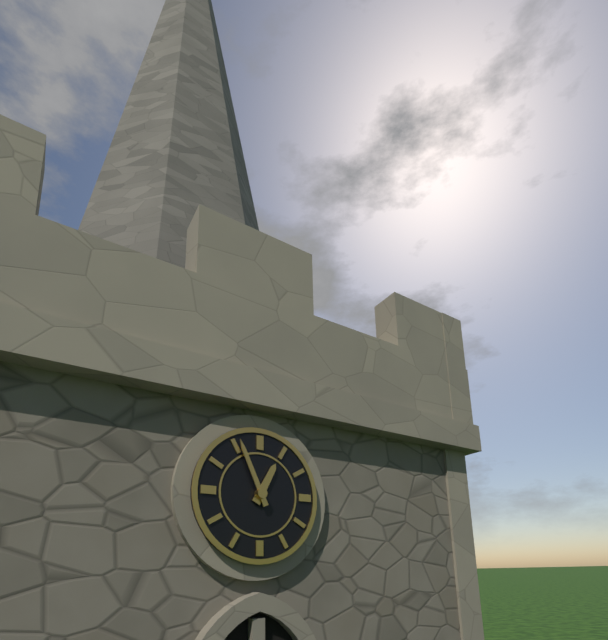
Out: {"hour": 12, "minute": 56}
